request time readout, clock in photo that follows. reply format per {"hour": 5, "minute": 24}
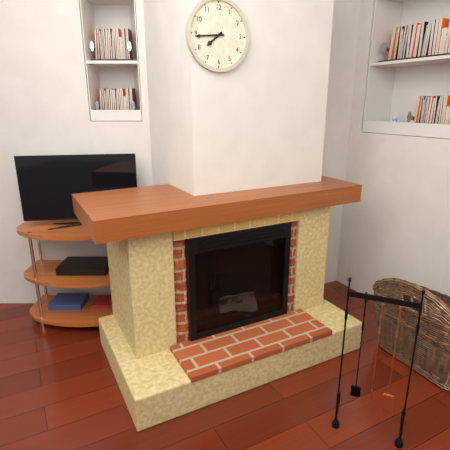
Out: {"hour": 7, "minute": 44}
